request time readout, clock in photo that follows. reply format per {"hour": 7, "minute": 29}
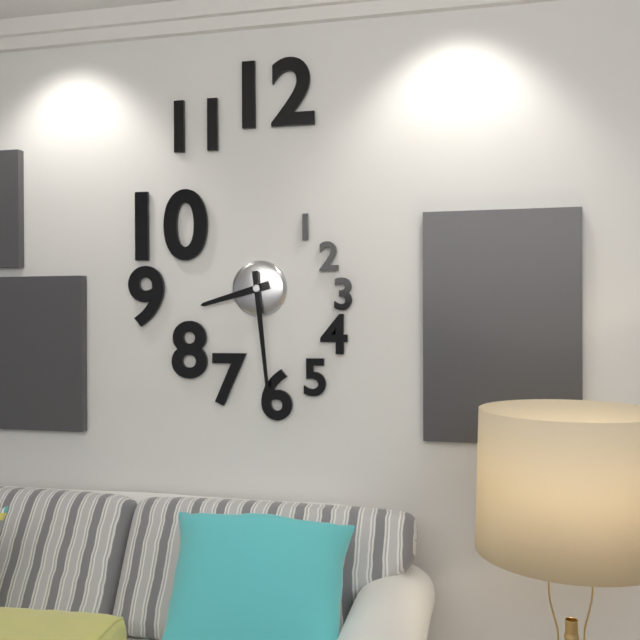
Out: {"hour": 8, "minute": 29}
